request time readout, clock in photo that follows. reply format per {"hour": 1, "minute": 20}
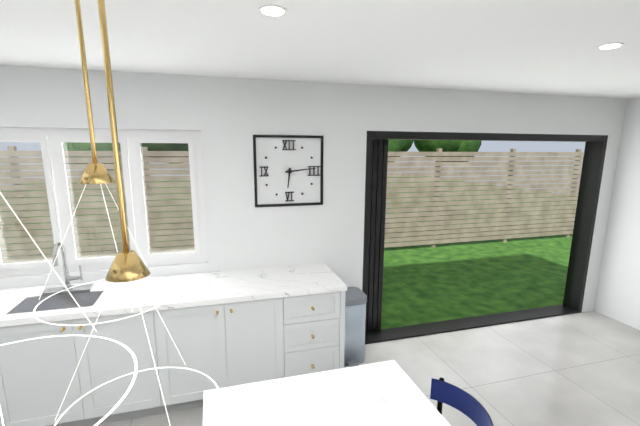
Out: {"hour": 6, "minute": 14}
